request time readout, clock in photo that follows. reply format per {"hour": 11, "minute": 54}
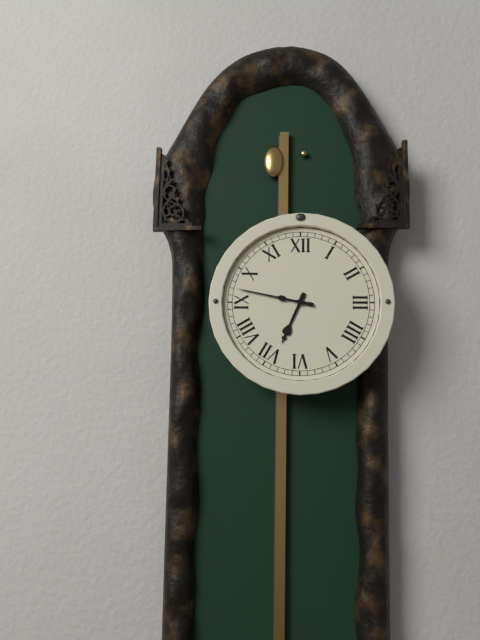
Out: {"hour": 6, "minute": 47}
